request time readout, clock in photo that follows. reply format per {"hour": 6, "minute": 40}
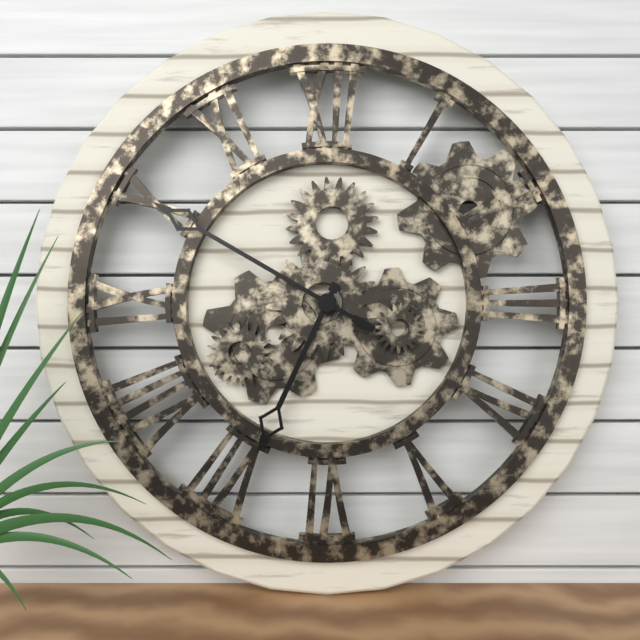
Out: {"hour": 6, "minute": 50}
